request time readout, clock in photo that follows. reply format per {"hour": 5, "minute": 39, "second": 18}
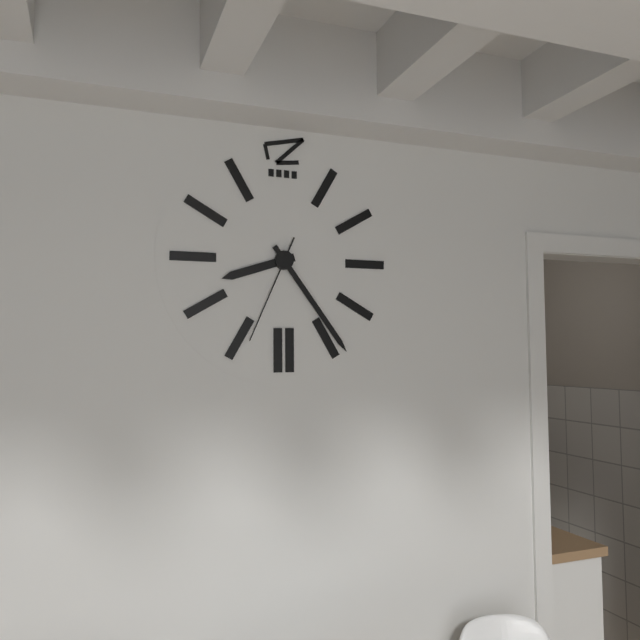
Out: {"hour": 8, "minute": 24, "second": 34}
